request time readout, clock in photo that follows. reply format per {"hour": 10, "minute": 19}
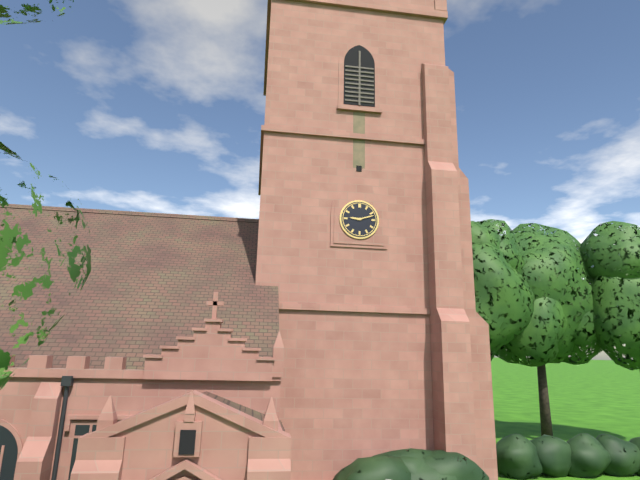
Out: {"hour": 9, "minute": 12}
